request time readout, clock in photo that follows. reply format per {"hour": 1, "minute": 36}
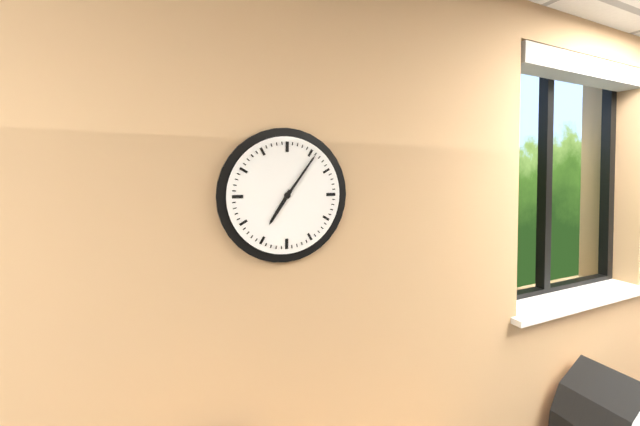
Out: {"hour": 7, "minute": 6}
